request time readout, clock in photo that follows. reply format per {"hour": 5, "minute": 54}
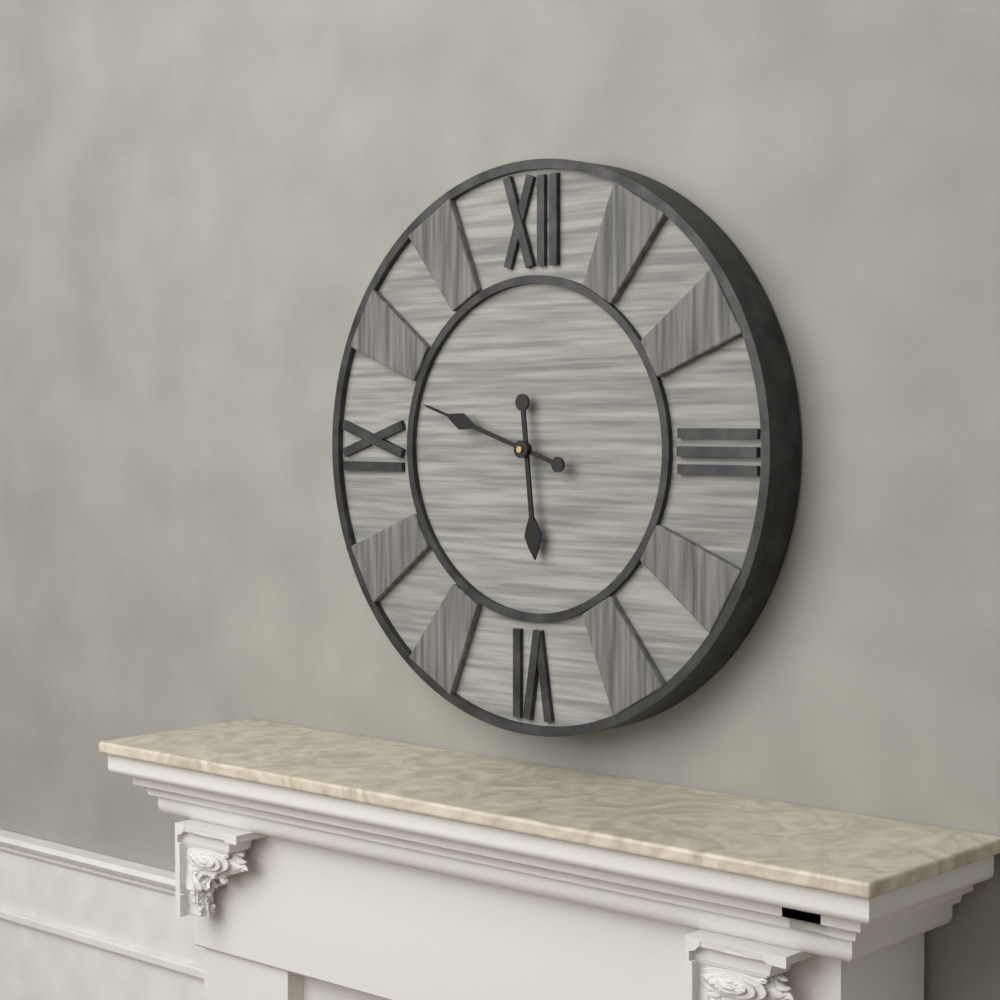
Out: {"hour": 5, "minute": 48}
